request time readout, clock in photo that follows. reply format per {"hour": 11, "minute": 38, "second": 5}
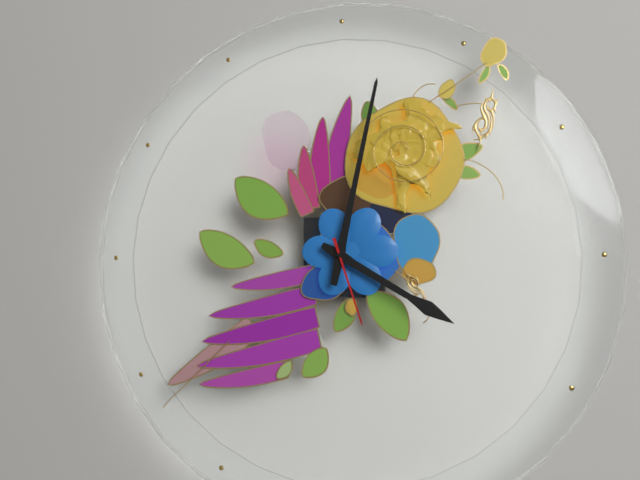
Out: {"hour": 4, "minute": 2, "second": 27}
